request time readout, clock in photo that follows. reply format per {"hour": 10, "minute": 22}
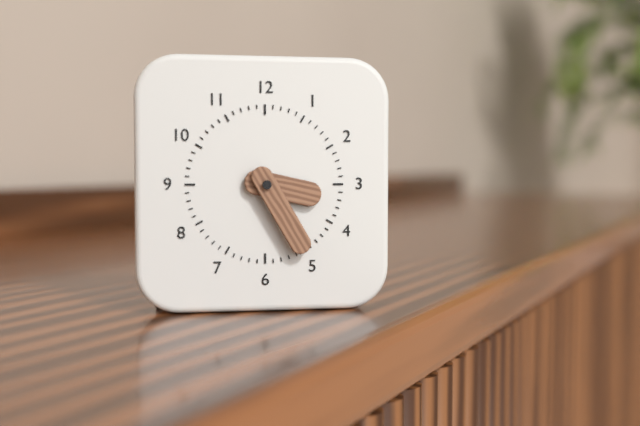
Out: {"hour": 3, "minute": 25}
